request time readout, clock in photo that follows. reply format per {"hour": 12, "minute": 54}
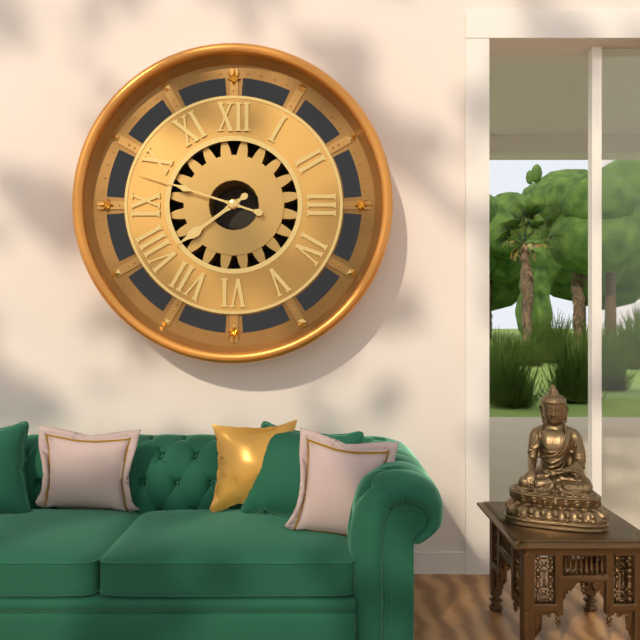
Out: {"hour": 7, "minute": 48}
